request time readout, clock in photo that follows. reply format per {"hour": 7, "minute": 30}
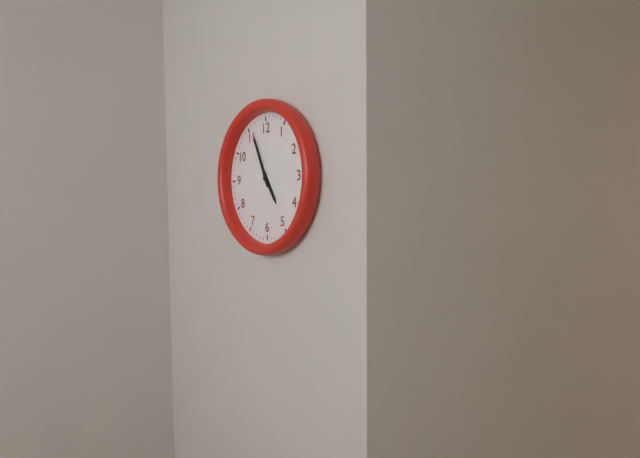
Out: {"hour": 4, "minute": 56}
